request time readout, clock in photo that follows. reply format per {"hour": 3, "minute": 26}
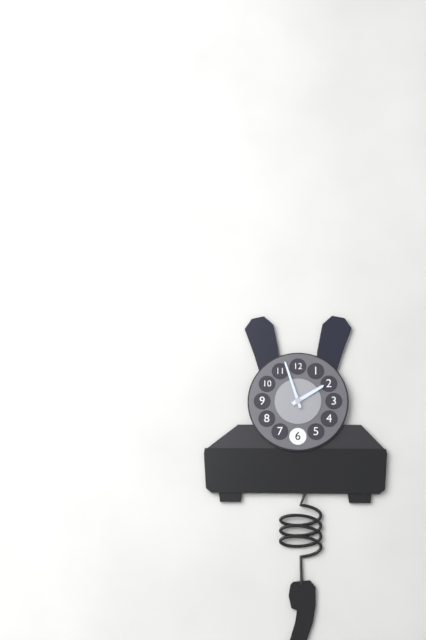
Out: {"hour": 1, "minute": 57}
